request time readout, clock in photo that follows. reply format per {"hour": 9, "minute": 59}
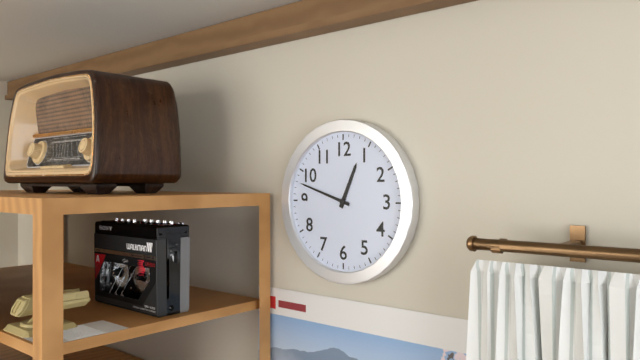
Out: {"hour": 12, "minute": 48}
